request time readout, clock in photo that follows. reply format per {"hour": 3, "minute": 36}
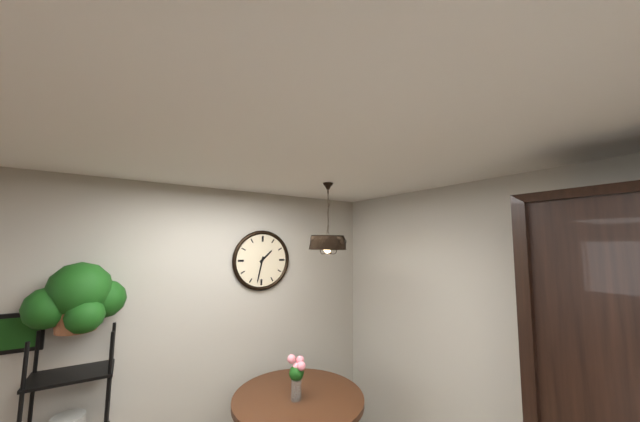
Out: {"hour": 1, "minute": 32}
